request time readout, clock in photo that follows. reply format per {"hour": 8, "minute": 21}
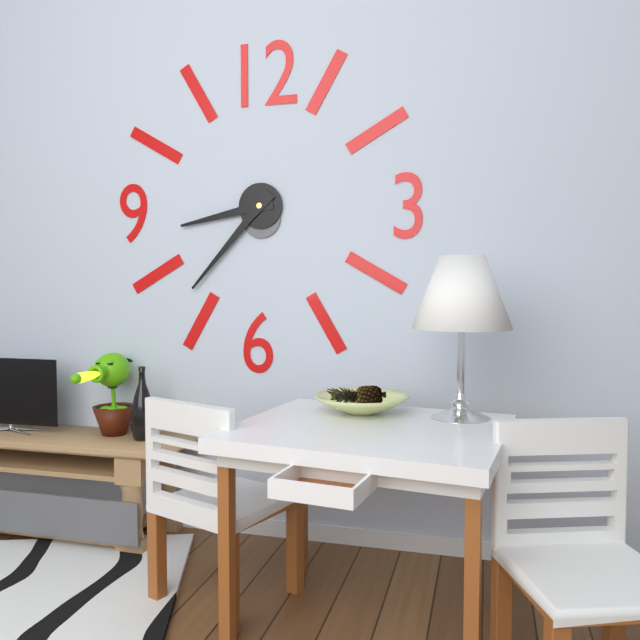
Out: {"hour": 8, "minute": 37}
